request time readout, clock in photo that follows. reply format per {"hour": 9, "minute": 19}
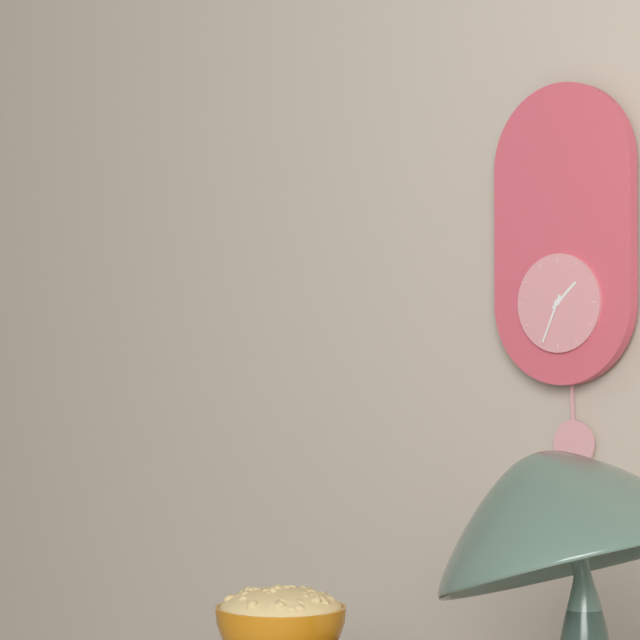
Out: {"hour": 1, "minute": 34}
